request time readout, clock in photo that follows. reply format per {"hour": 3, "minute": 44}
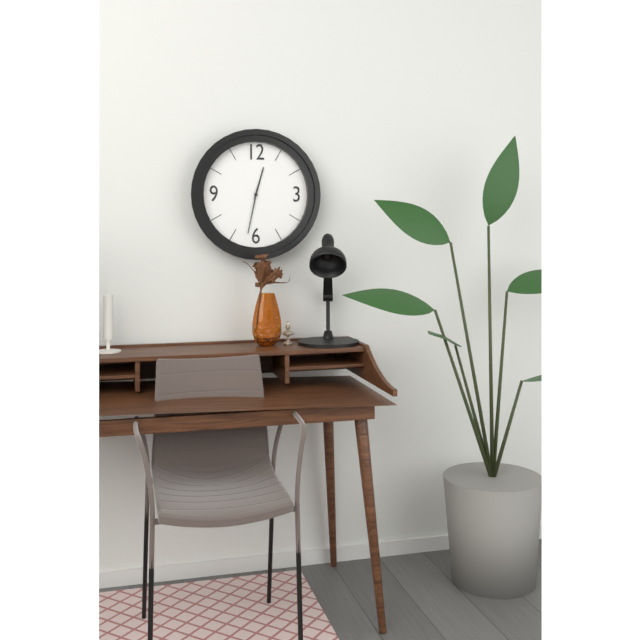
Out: {"hour": 12, "minute": 32}
